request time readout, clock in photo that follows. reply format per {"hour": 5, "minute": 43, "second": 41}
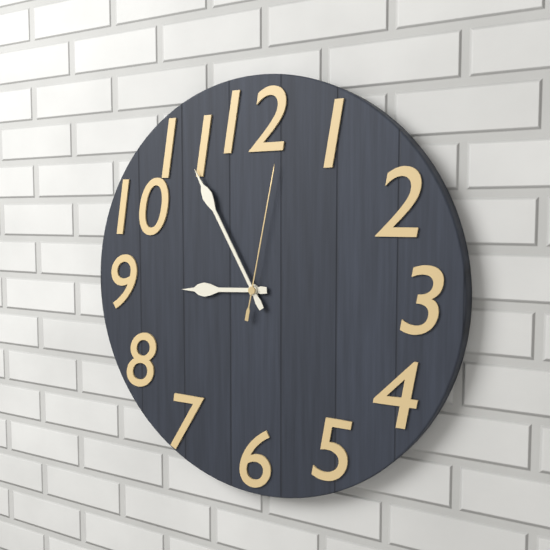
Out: {"hour": 8, "minute": 55, "second": 2}
